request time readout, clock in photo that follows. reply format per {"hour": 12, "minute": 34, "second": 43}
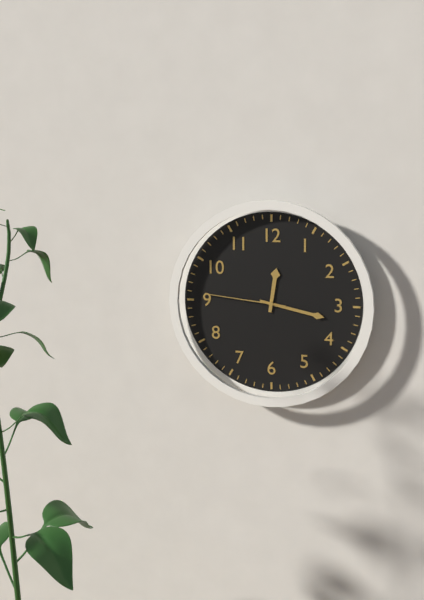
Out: {"hour": 12, "minute": 17, "second": 46}
